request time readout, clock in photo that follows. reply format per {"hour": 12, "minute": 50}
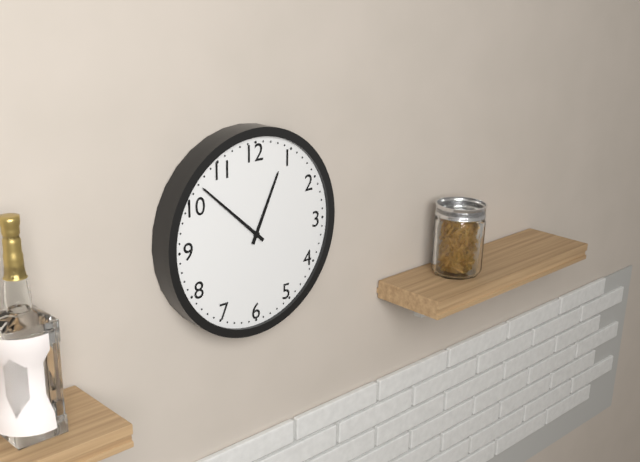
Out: {"hour": 12, "minute": 52}
